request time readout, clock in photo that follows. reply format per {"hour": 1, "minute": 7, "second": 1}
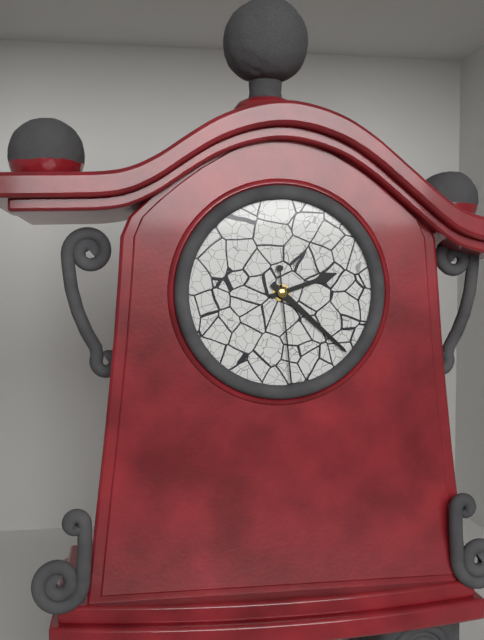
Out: {"hour": 2, "minute": 22, "second": 29}
